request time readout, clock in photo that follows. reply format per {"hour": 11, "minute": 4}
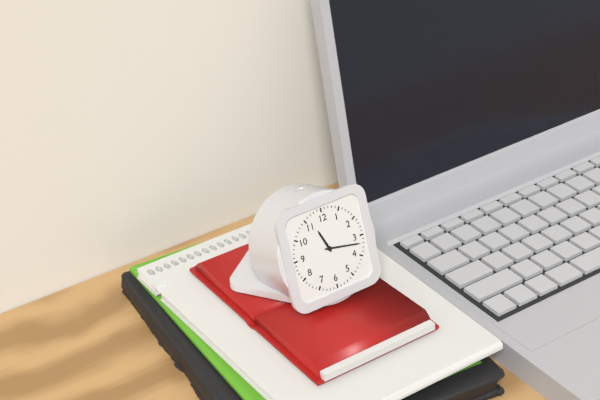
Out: {"hour": 11, "minute": 17}
